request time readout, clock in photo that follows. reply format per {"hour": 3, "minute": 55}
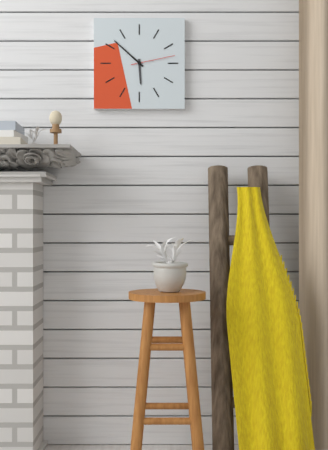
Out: {"hour": 5, "minute": 52}
